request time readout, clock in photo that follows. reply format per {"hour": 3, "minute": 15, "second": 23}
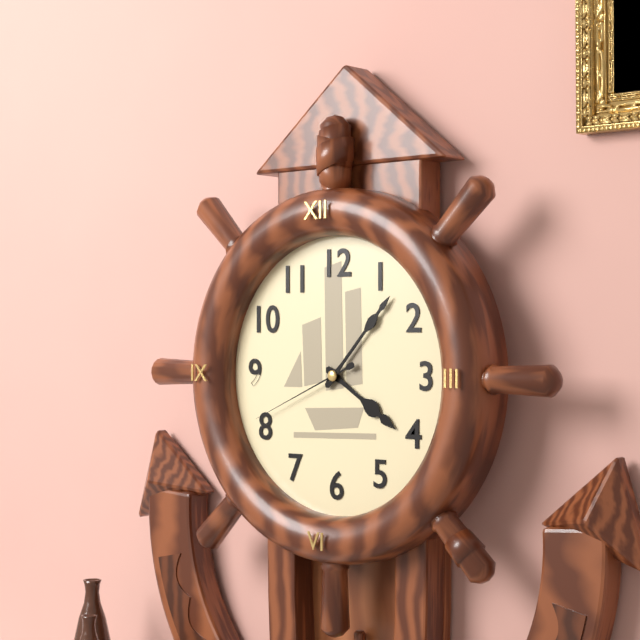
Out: {"hour": 4, "minute": 7, "second": 41}
